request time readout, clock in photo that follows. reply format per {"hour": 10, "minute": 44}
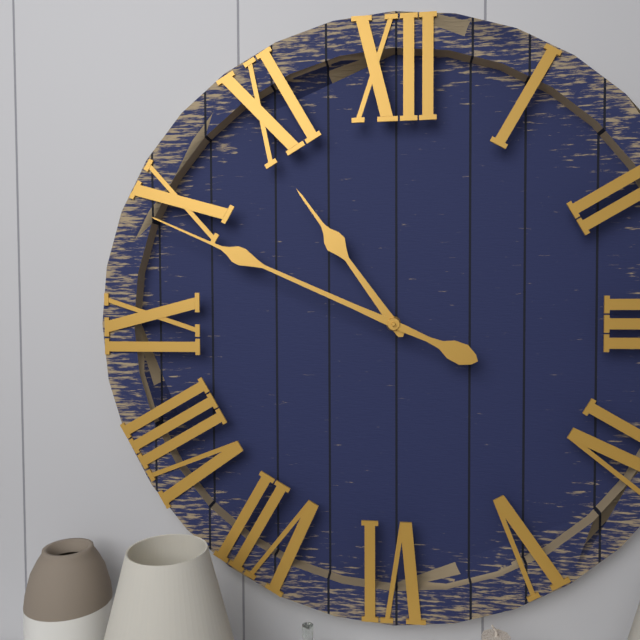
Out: {"hour": 10, "minute": 49}
